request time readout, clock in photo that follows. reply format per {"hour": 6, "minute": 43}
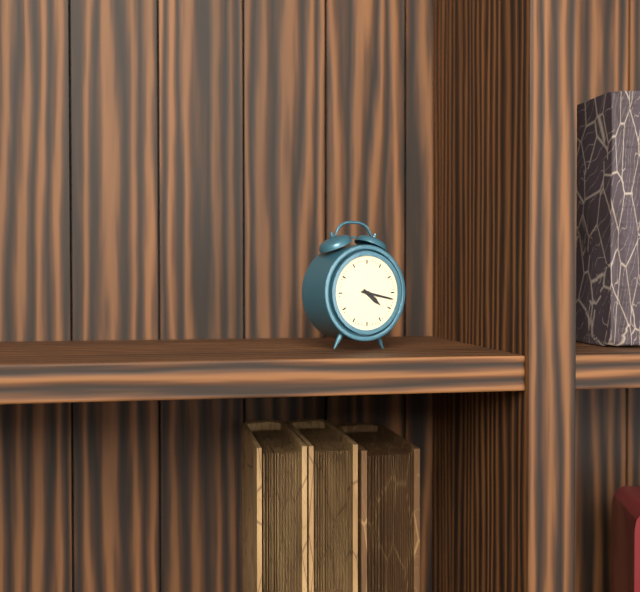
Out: {"hour": 4, "minute": 17}
